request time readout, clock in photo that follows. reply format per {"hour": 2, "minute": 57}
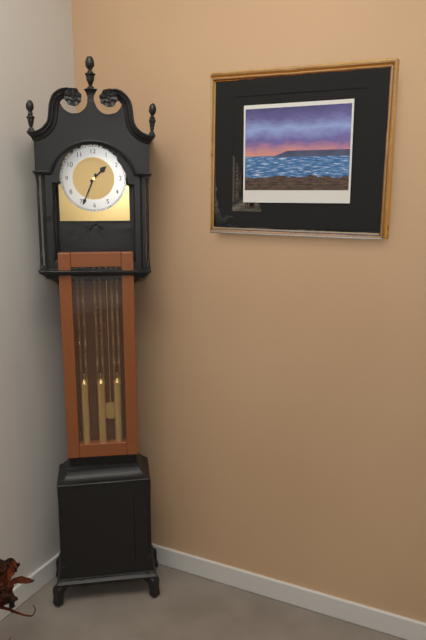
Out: {"hour": 1, "minute": 34}
